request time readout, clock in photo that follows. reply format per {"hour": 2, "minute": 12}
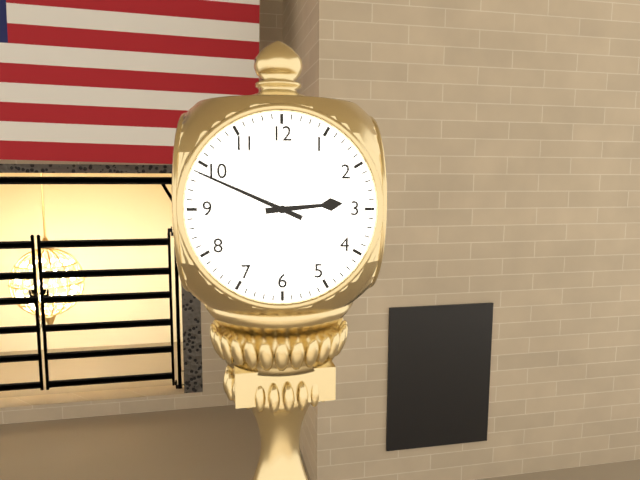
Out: {"hour": 2, "minute": 49}
